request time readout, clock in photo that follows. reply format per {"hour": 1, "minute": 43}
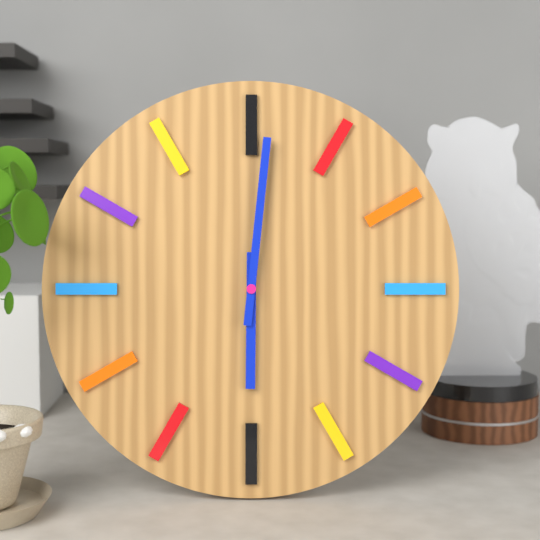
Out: {"hour": 6, "minute": 1}
